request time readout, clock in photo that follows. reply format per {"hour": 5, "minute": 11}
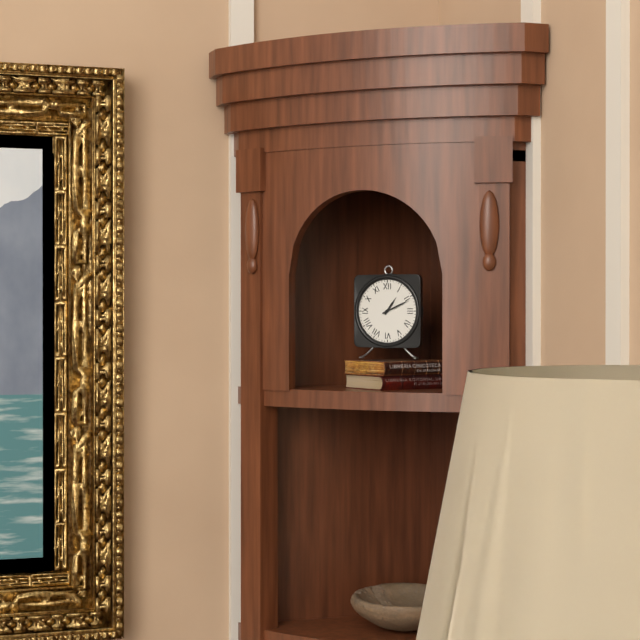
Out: {"hour": 1, "minute": 11}
